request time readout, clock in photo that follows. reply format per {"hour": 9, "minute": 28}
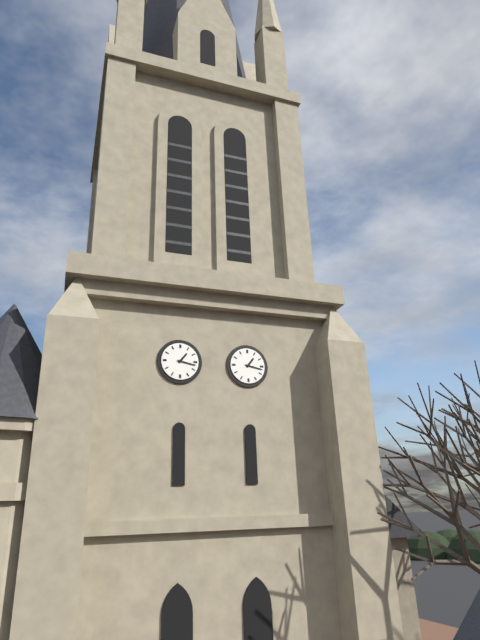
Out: {"hour": 1, "minute": 17}
